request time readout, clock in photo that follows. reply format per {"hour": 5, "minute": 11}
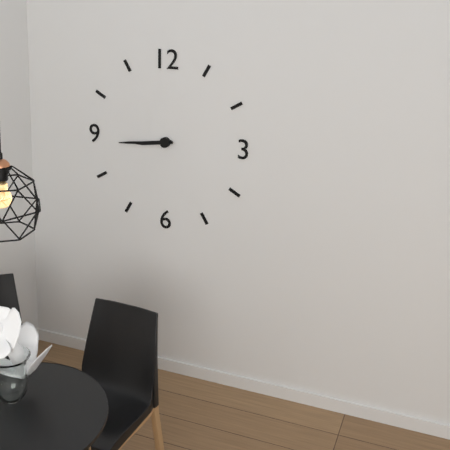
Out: {"hour": 8, "minute": 44}
